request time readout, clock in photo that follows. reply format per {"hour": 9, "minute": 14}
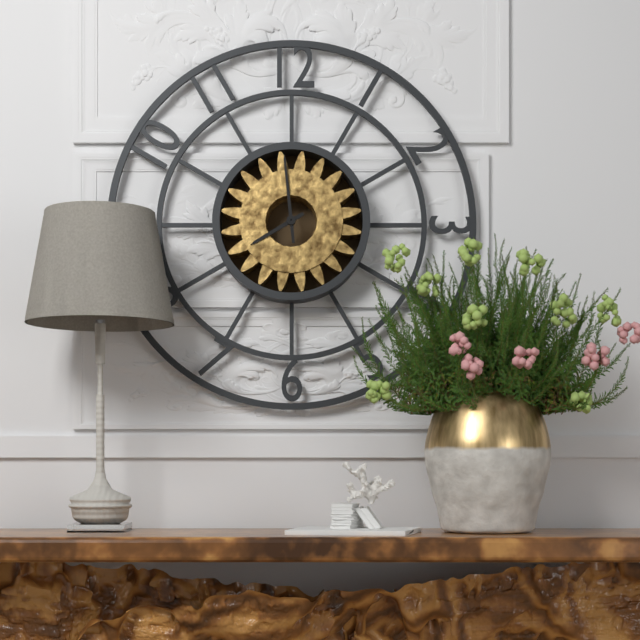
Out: {"hour": 7, "minute": 59}
